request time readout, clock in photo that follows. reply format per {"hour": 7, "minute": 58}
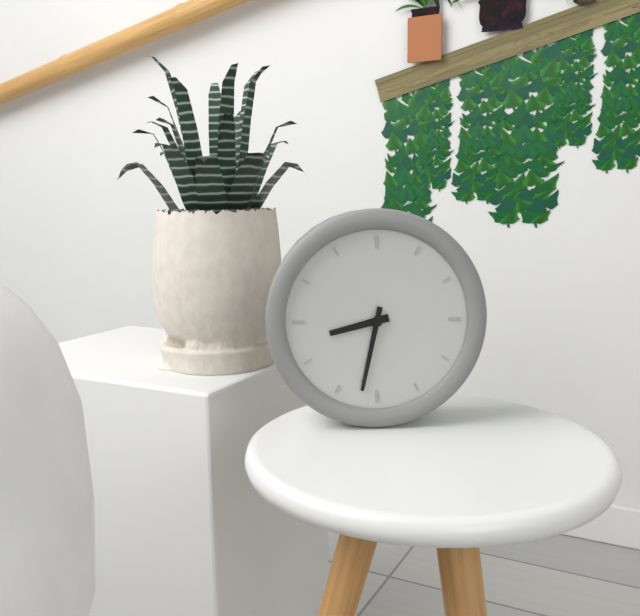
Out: {"hour": 8, "minute": 32}
